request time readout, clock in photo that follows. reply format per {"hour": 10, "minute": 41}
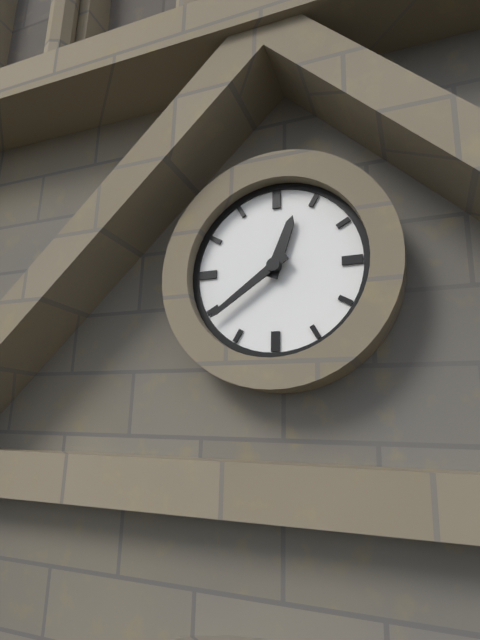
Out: {"hour": 12, "minute": 39}
